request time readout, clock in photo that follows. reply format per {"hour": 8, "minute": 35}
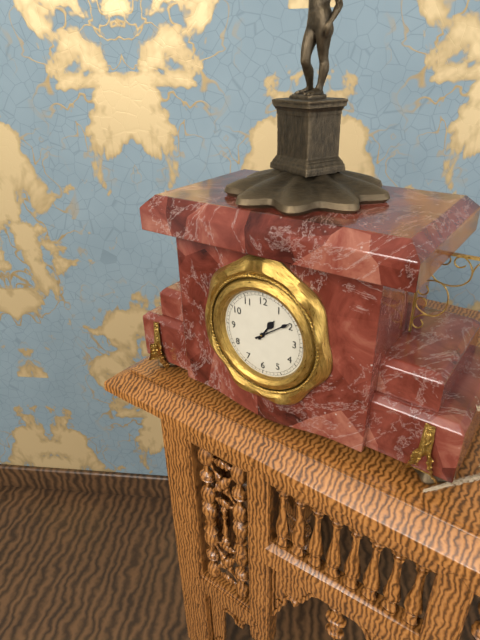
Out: {"hour": 1, "minute": 9}
